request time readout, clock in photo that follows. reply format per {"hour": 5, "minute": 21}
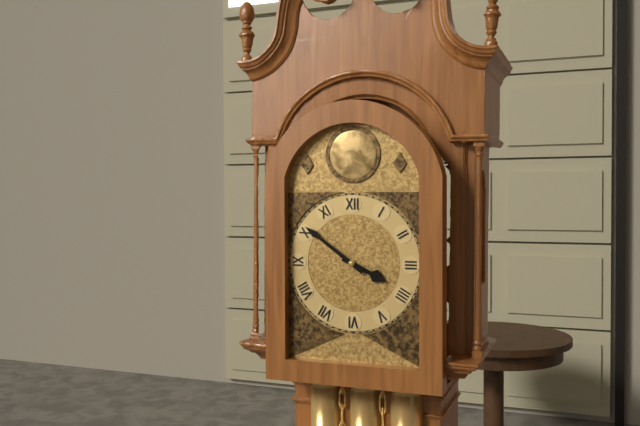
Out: {"hour": 3, "minute": 51}
